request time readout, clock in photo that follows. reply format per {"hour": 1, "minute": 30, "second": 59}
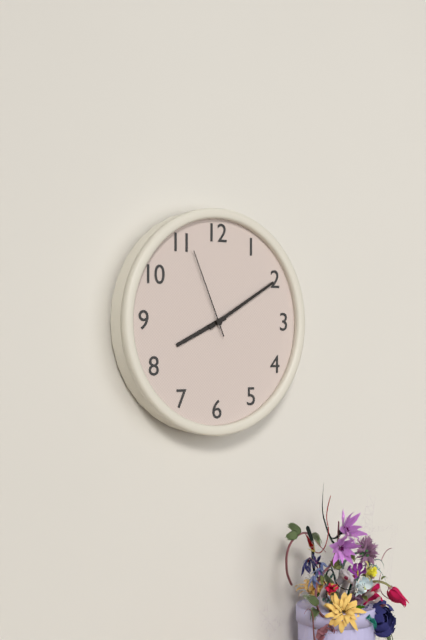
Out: {"hour": 8, "minute": 10, "second": 56}
